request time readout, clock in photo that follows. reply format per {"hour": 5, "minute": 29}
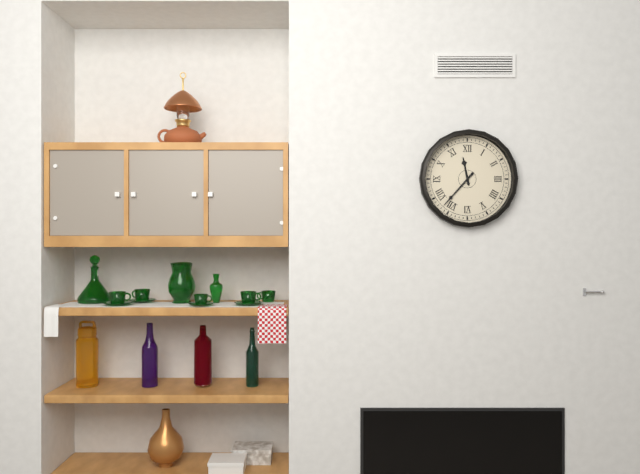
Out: {"hour": 11, "minute": 37}
